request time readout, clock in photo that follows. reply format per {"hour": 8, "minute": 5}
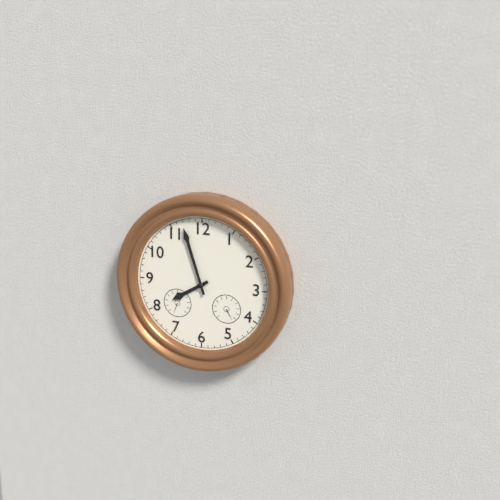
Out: {"hour": 7, "minute": 57}
